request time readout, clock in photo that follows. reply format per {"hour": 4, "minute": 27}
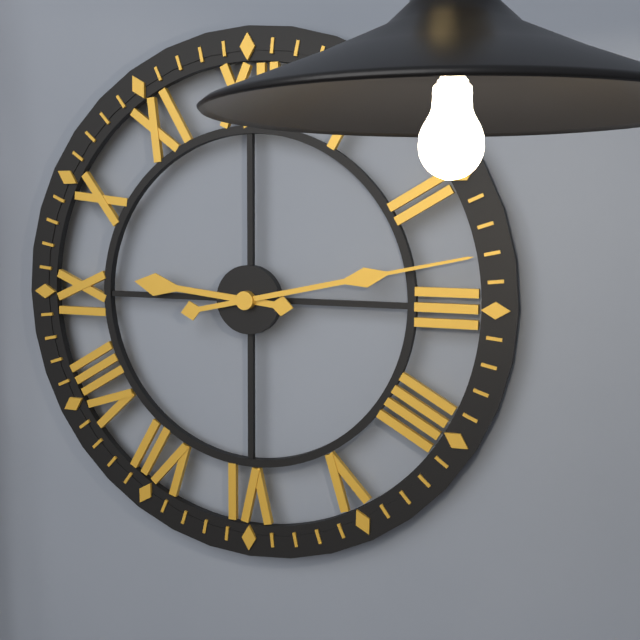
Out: {"hour": 9, "minute": 13}
